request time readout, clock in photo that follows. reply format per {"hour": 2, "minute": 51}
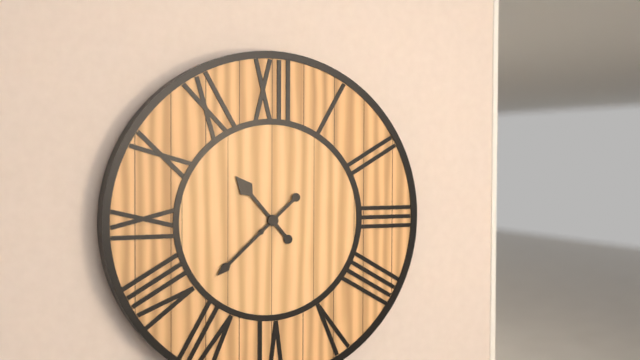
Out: {"hour": 10, "minute": 38}
